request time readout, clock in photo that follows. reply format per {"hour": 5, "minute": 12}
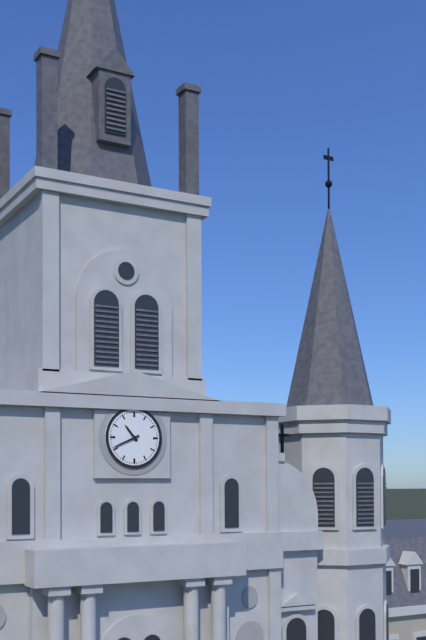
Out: {"hour": 10, "minute": 41}
